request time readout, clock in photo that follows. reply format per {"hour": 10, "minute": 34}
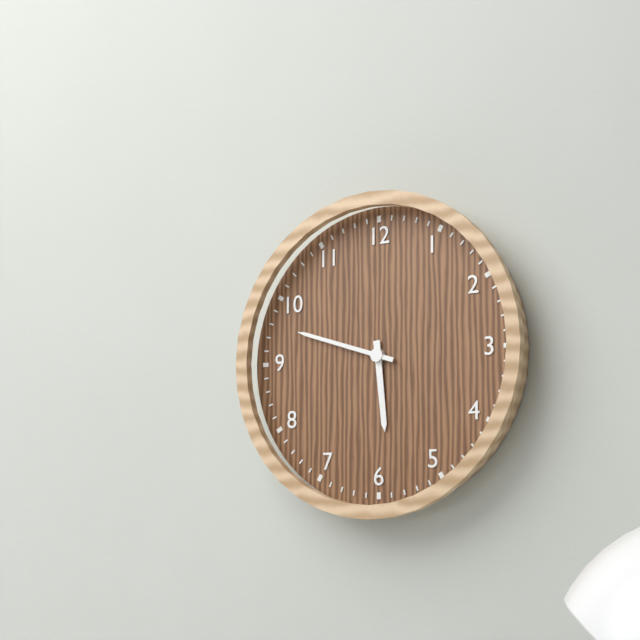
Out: {"hour": 5, "minute": 48}
